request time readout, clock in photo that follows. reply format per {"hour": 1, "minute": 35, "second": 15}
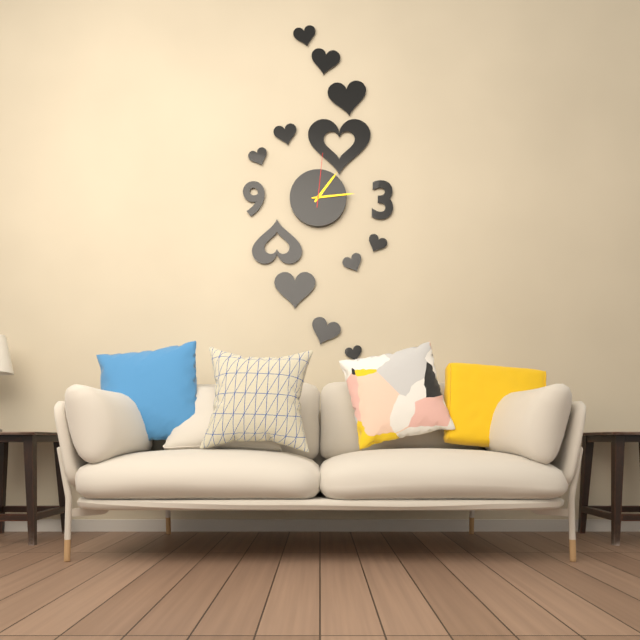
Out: {"hour": 1, "minute": 14, "second": 1}
